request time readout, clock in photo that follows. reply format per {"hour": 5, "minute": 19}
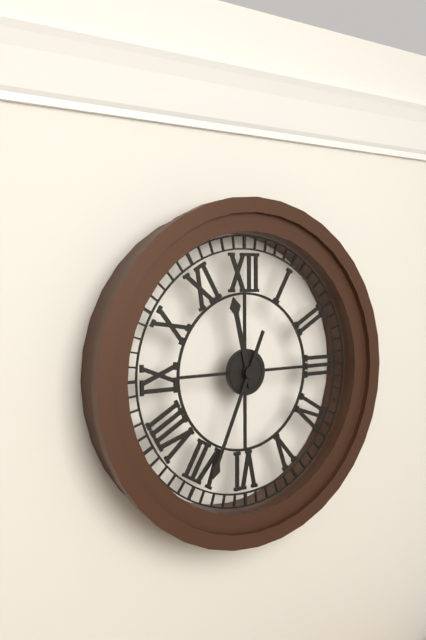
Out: {"hour": 11, "minute": 34}
